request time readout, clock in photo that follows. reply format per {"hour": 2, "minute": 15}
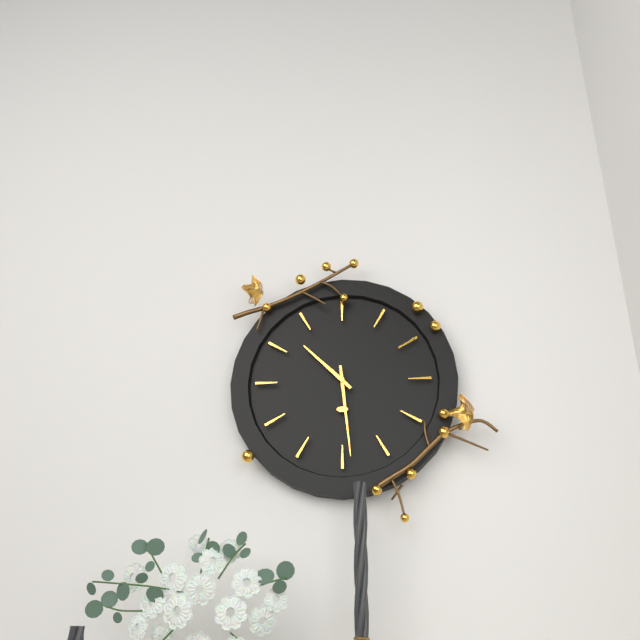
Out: {"hour": 10, "minute": 29}
